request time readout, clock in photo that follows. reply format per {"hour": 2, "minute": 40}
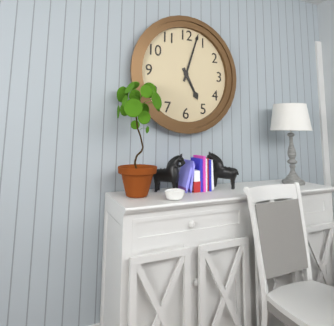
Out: {"hour": 5, "minute": 3}
